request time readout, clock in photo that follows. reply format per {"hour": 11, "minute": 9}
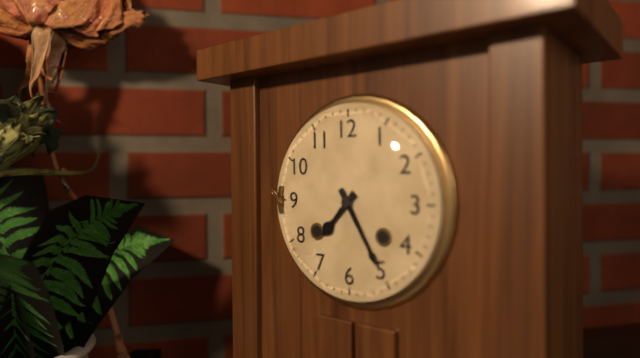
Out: {"hour": 7, "minute": 25}
